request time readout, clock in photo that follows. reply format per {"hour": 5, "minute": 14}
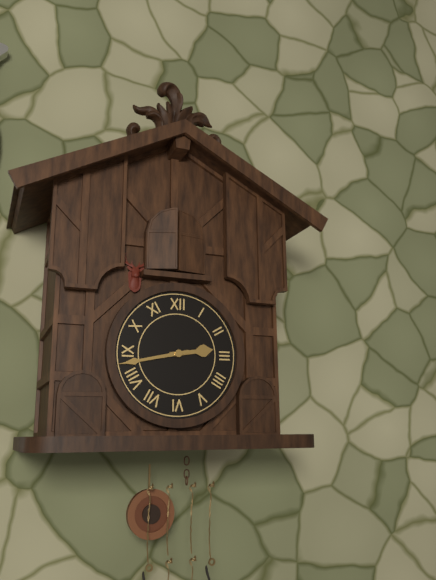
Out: {"hour": 2, "minute": 43}
